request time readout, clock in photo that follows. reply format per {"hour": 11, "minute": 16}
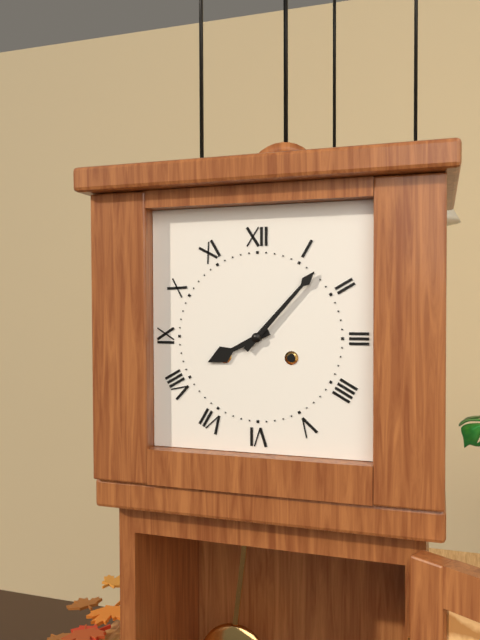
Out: {"hour": 8, "minute": 7}
